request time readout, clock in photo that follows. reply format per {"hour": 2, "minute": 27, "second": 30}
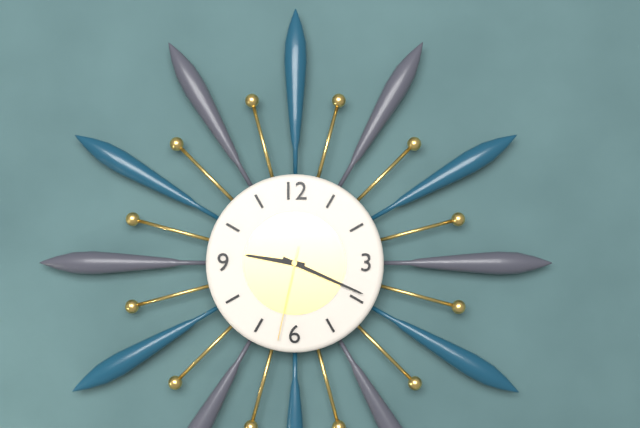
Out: {"hour": 9, "minute": 19, "second": 32}
